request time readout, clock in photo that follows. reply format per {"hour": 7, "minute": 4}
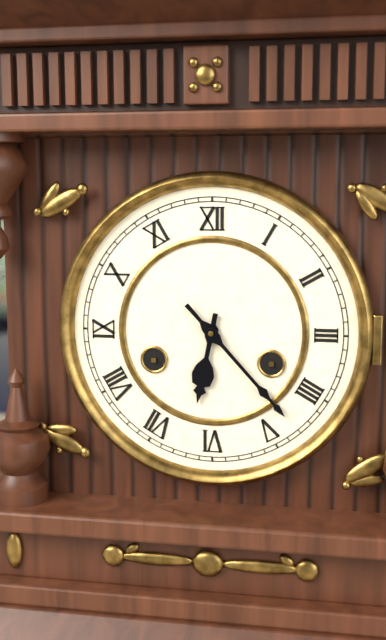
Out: {"hour": 6, "minute": 23}
